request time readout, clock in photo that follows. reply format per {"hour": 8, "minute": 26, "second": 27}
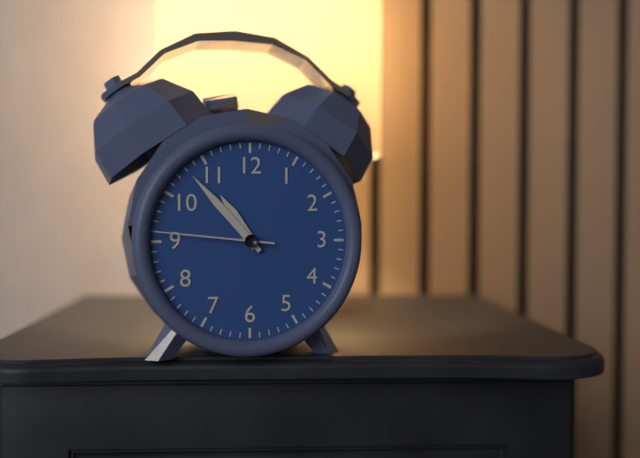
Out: {"hour": 10, "minute": 53, "second": 46}
